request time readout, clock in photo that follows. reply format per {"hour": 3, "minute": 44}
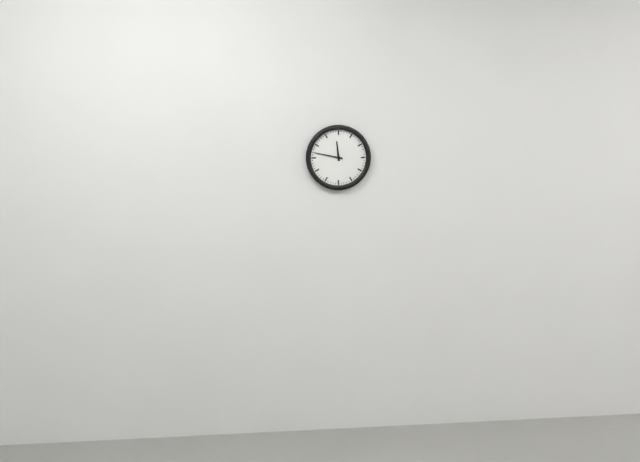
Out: {"hour": 11, "minute": 47}
